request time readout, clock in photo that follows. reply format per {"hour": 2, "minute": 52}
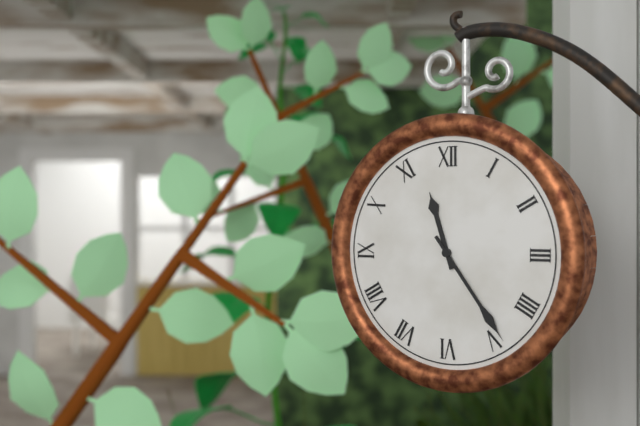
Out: {"hour": 11, "minute": 24}
